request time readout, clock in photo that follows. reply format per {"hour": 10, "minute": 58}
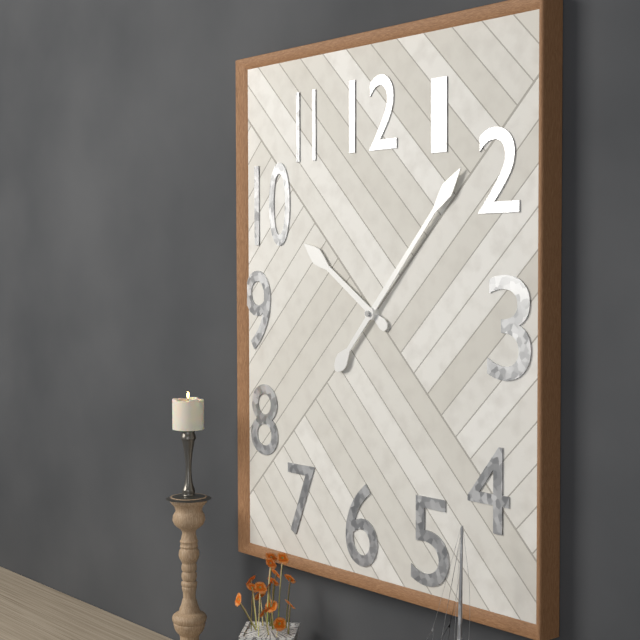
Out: {"hour": 10, "minute": 7}
